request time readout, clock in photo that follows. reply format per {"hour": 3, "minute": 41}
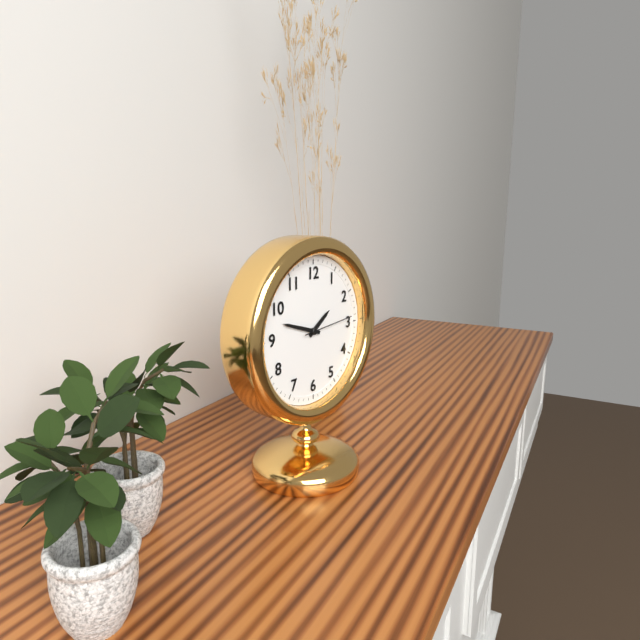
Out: {"hour": 1, "minute": 48}
